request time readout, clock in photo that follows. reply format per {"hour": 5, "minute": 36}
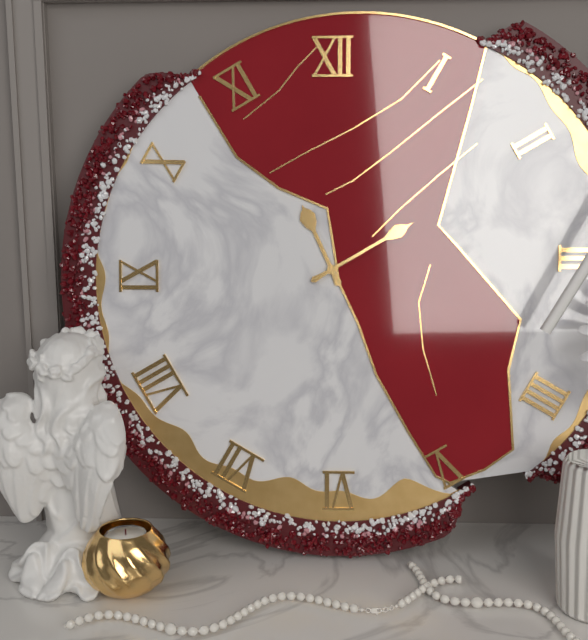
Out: {"hour": 11, "minute": 10}
